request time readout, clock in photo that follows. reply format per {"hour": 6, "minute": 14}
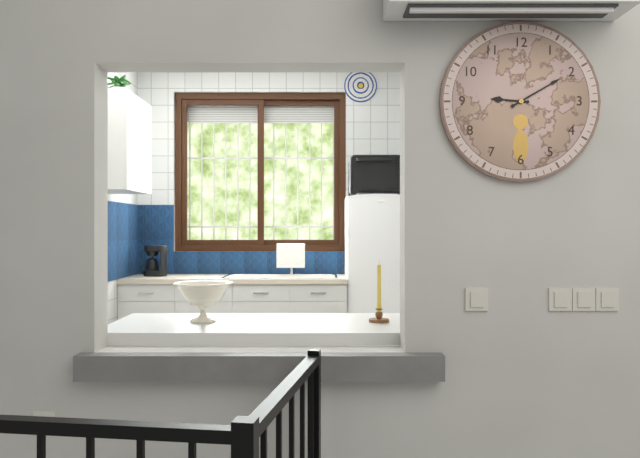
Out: {"hour": 9, "minute": 10}
